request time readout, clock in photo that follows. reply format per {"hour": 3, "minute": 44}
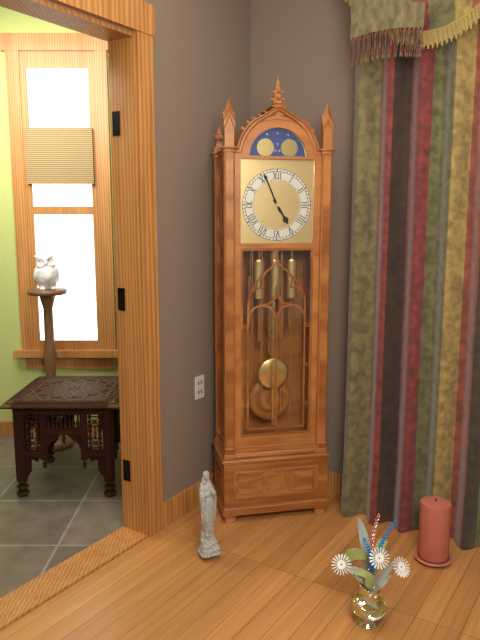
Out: {"hour": 4, "minute": 56}
